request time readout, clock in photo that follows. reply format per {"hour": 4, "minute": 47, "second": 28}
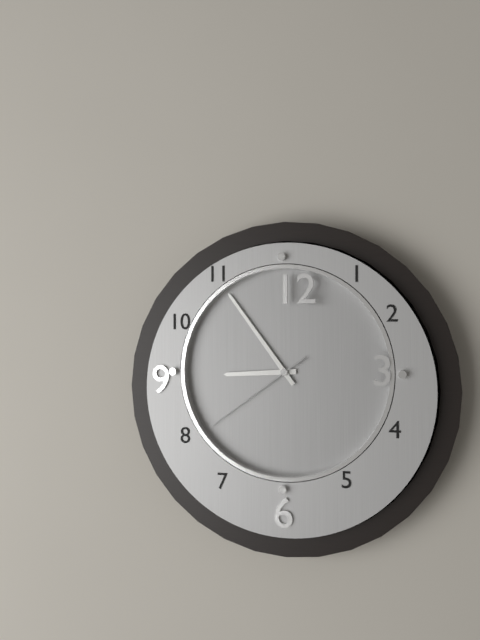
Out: {"hour": 8, "minute": 54, "second": 39}
